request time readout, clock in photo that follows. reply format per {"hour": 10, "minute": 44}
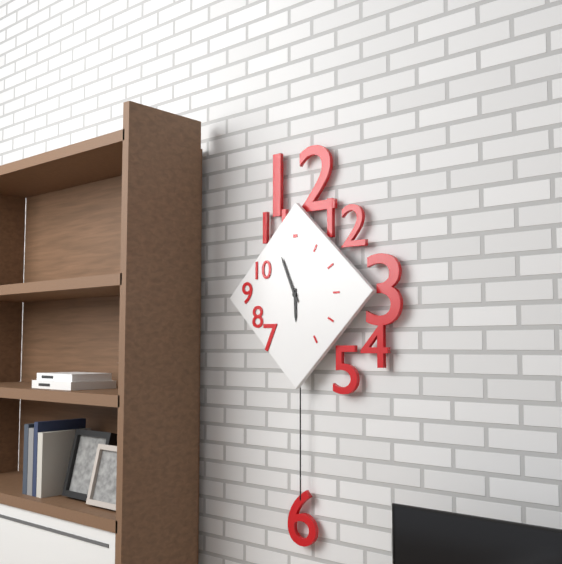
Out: {"hour": 5, "minute": 56}
